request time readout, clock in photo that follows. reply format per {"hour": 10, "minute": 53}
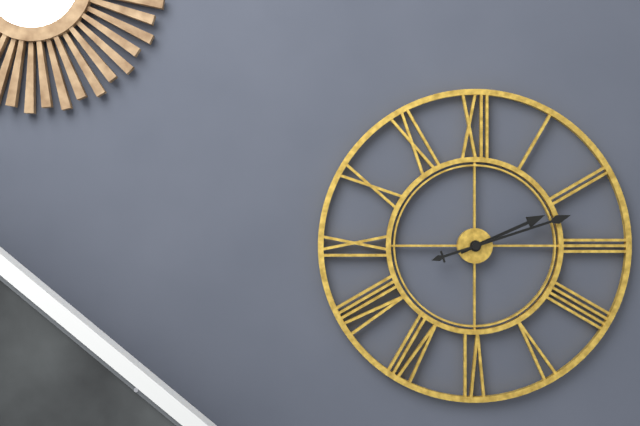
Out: {"hour": 2, "minute": 12}
